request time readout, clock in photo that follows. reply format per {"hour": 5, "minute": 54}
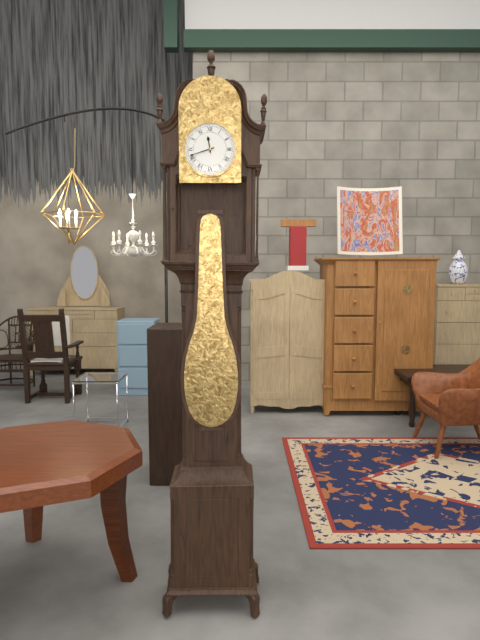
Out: {"hour": 11, "minute": 42}
